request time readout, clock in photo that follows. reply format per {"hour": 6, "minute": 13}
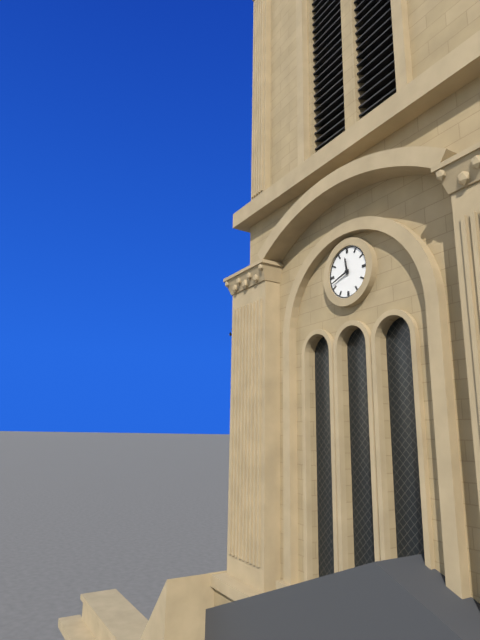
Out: {"hour": 11, "minute": 42}
